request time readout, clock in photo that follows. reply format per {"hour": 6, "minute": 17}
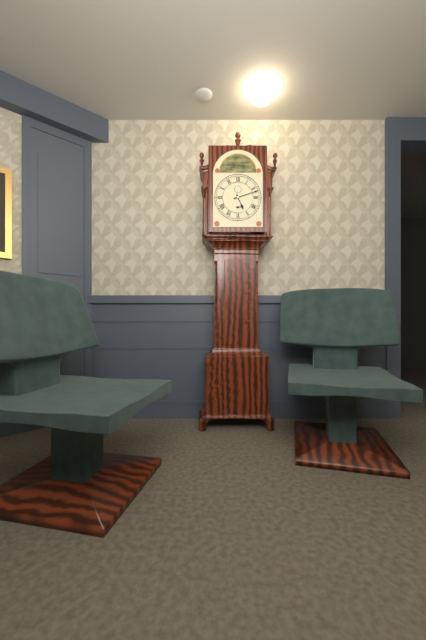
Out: {"hour": 5, "minute": 12}
